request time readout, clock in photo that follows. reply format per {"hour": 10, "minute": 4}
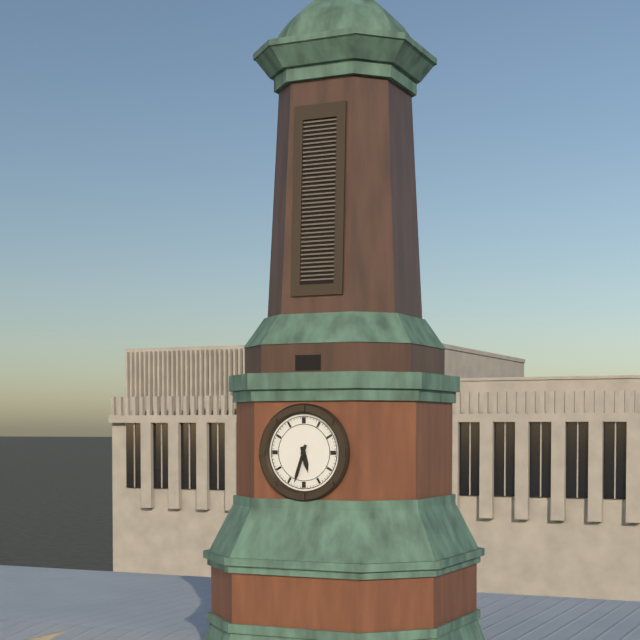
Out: {"hour": 5, "minute": 33}
